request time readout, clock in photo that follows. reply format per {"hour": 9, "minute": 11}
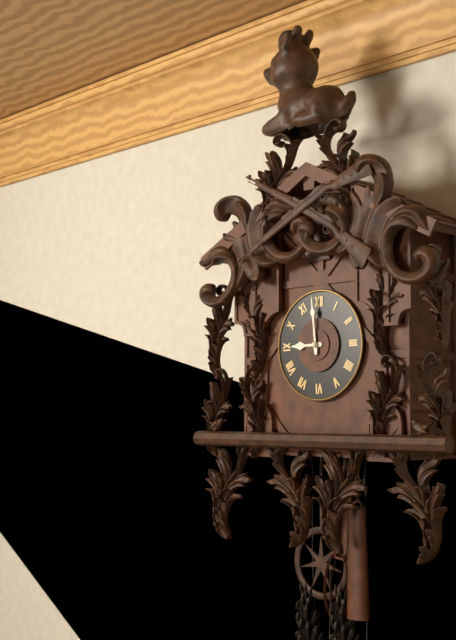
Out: {"hour": 8, "minute": 59}
